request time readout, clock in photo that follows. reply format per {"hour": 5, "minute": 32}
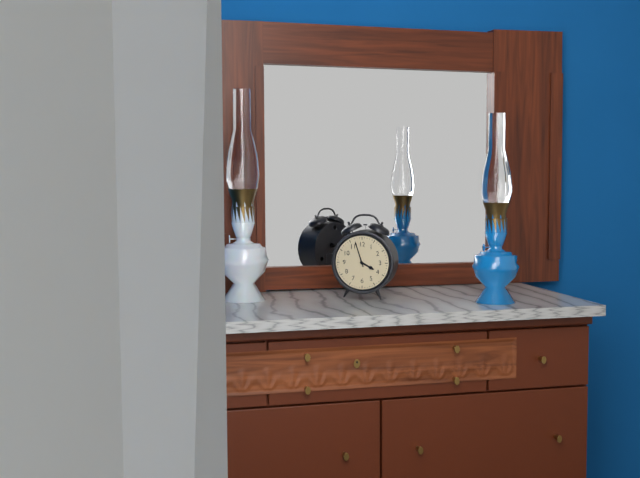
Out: {"hour": 3, "minute": 57}
